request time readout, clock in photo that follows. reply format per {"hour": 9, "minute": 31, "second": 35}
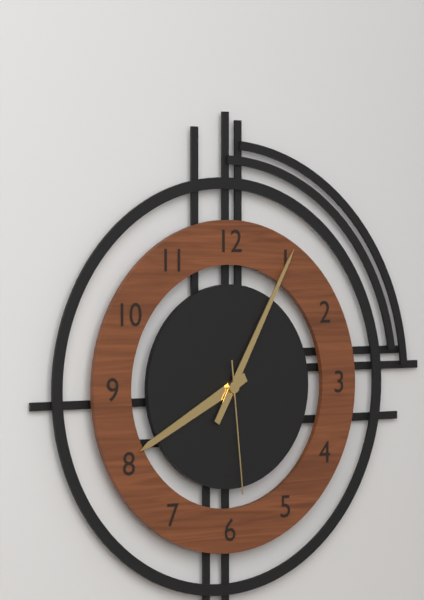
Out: {"hour": 8, "minute": 5, "second": 29}
